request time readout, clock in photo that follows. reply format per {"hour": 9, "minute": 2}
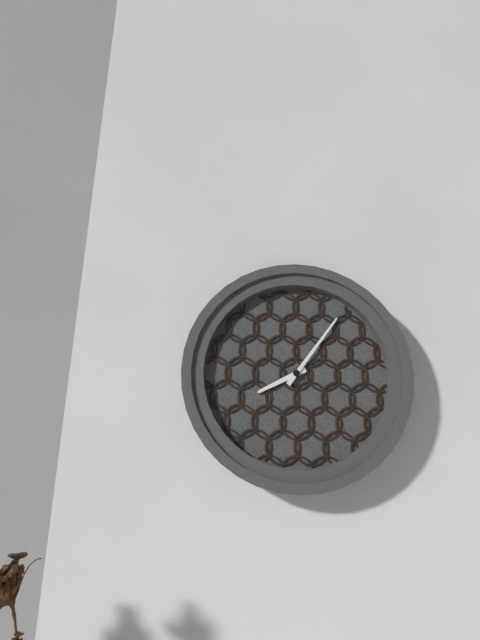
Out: {"hour": 8, "minute": 6}
